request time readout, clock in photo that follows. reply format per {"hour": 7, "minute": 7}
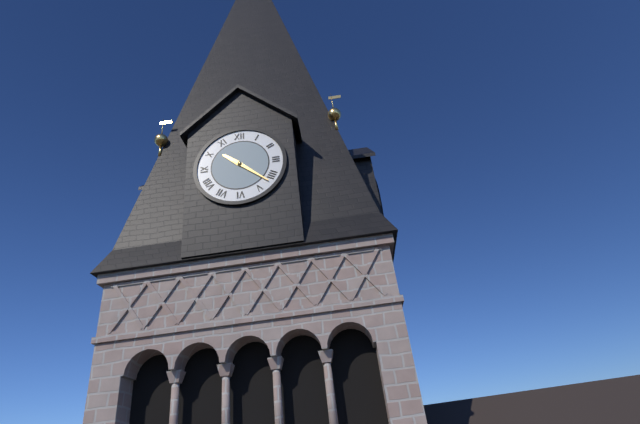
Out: {"hour": 10, "minute": 22}
